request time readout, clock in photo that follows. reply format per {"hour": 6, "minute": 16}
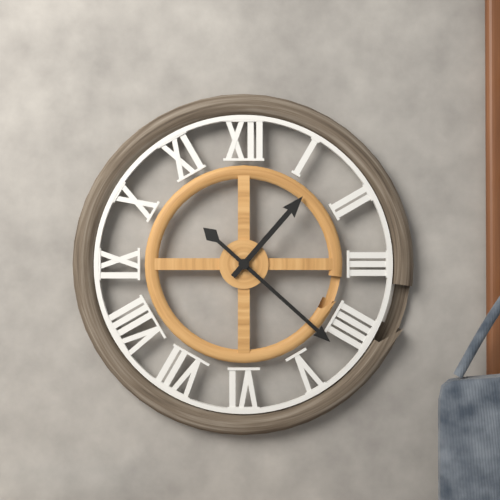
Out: {"hour": 1, "minute": 22}
